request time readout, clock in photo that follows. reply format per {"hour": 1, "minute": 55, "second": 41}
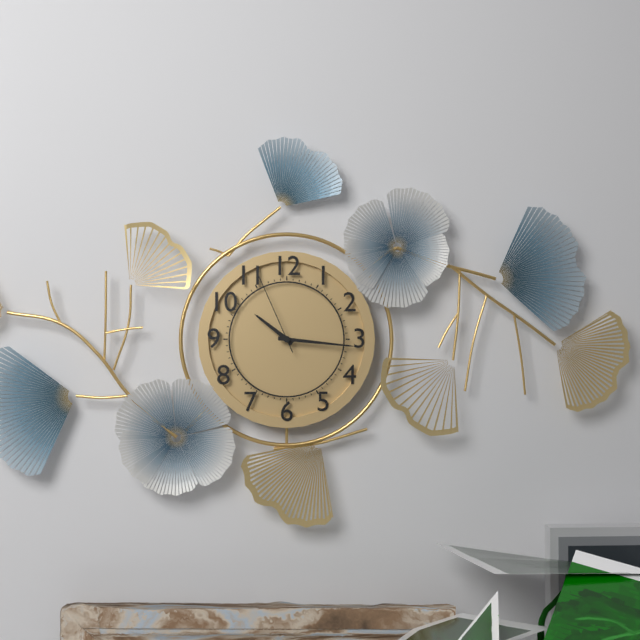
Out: {"hour": 10, "minute": 16, "second": 56}
